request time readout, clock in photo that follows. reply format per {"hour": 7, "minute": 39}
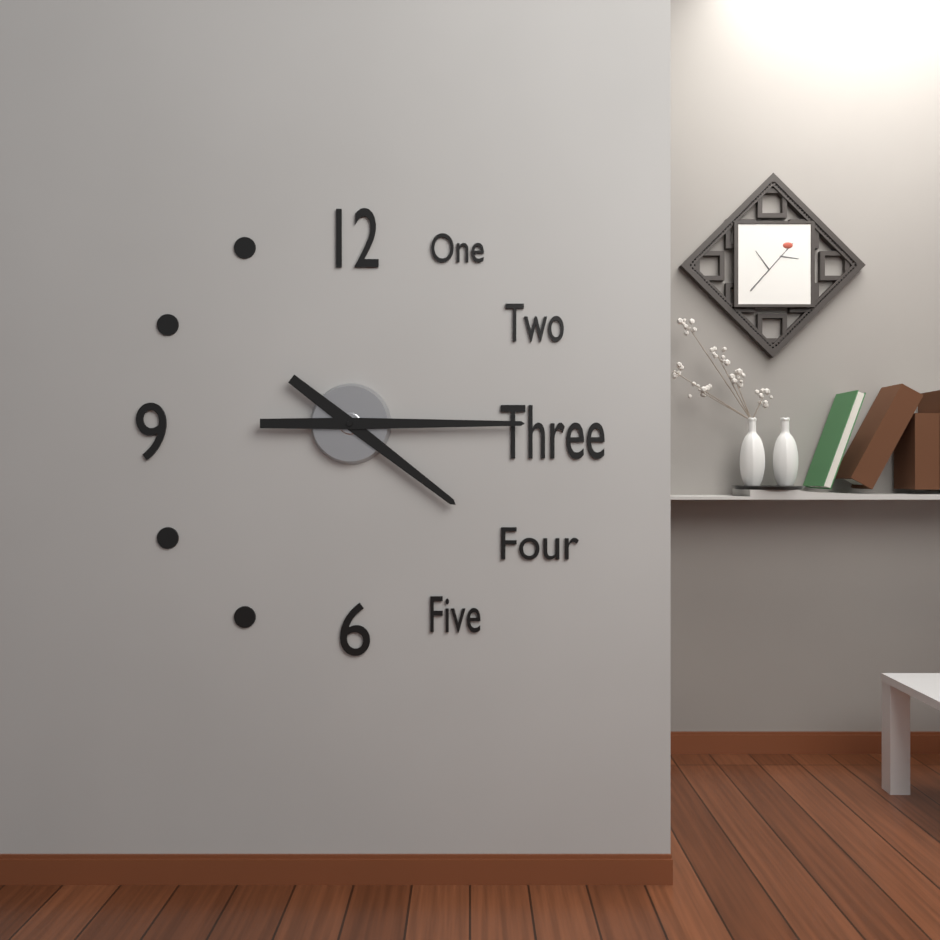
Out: {"hour": 4, "minute": 15}
